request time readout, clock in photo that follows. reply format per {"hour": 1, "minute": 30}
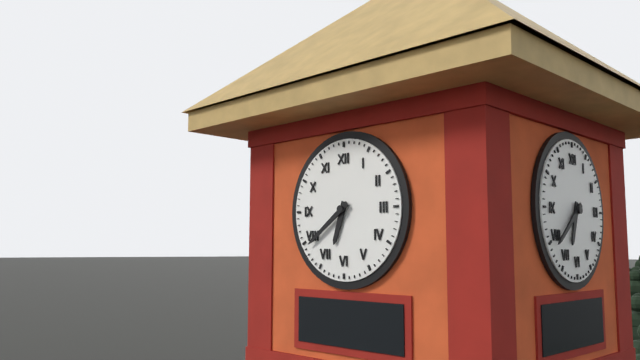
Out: {"hour": 6, "minute": 39}
